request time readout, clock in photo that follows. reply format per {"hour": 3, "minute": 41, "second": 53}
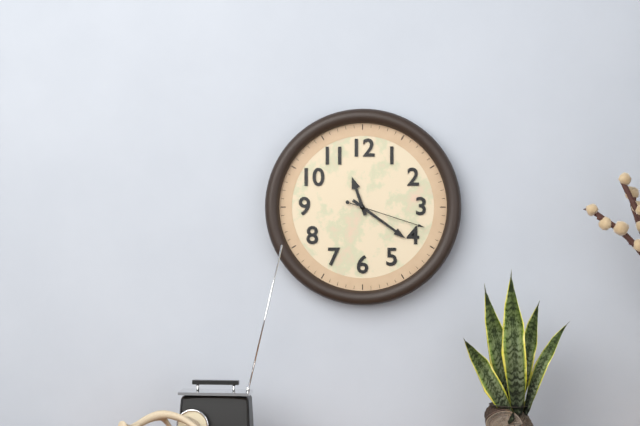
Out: {"hour": 11, "minute": 21, "second": 18}
